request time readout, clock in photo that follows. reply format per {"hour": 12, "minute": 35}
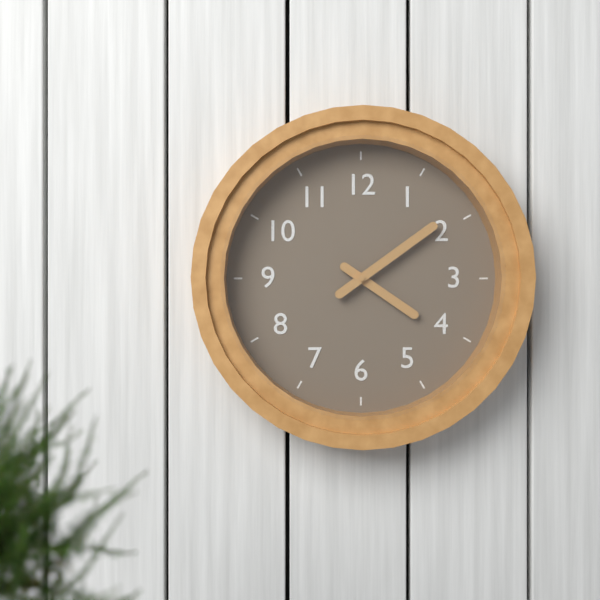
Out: {"hour": 4, "minute": 9}
